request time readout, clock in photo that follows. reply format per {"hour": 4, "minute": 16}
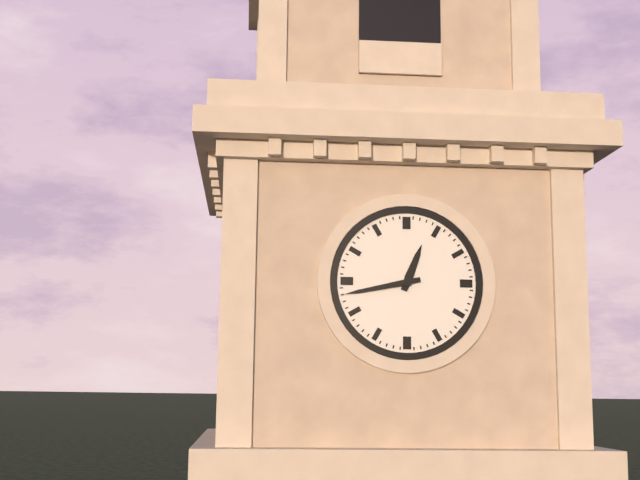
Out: {"hour": 12, "minute": 43}
